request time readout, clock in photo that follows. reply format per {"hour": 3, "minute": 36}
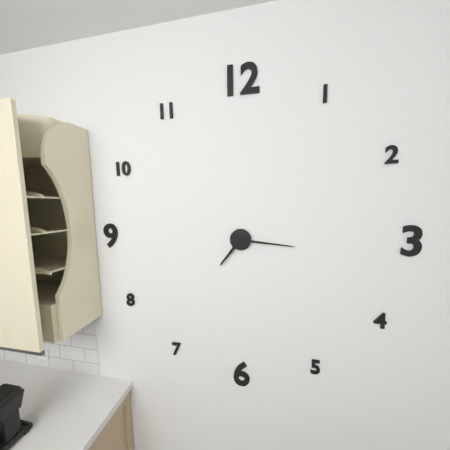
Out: {"hour": 7, "minute": 16}
